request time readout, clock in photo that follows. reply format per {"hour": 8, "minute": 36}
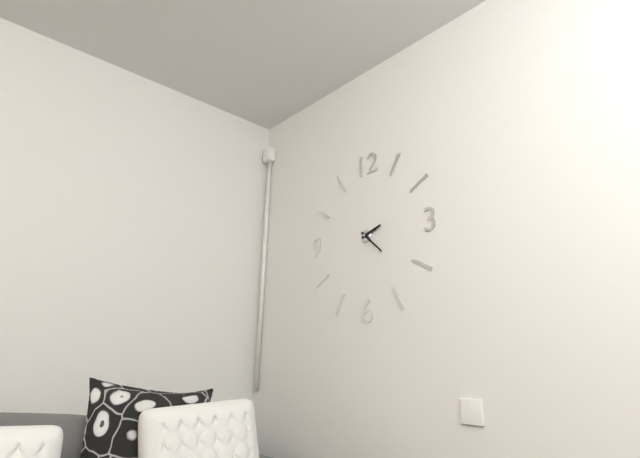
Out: {"hour": 2, "minute": 22}
